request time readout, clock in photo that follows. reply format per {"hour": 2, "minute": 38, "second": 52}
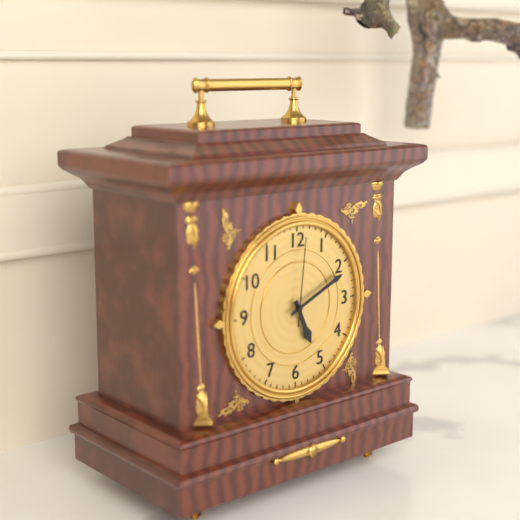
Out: {"hour": 5, "minute": 11, "second": 1}
